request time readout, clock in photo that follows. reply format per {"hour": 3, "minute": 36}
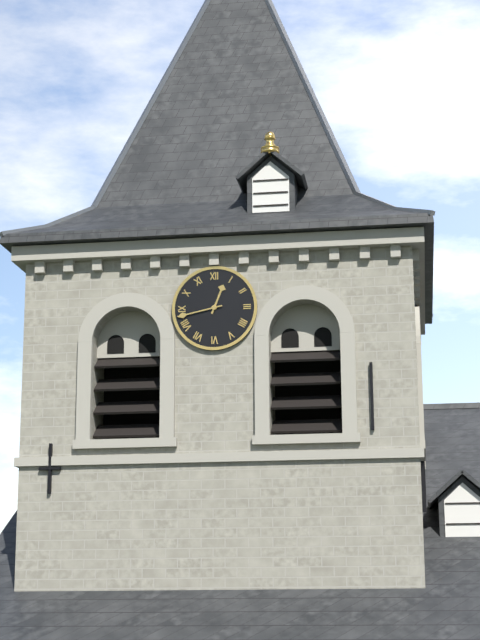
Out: {"hour": 12, "minute": 43}
